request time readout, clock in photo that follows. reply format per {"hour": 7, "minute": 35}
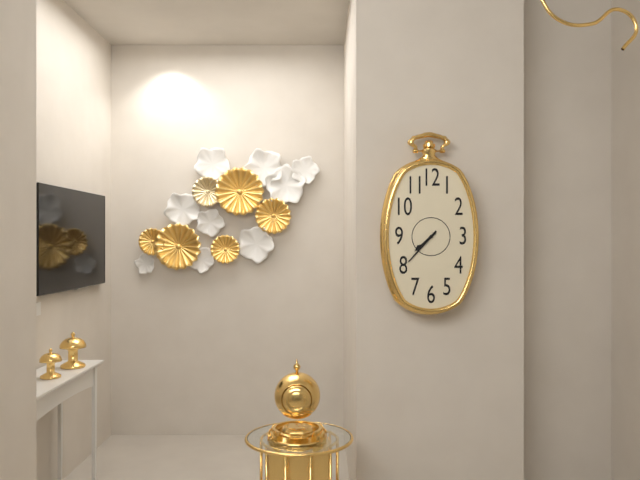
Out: {"hour": 7, "minute": 37}
